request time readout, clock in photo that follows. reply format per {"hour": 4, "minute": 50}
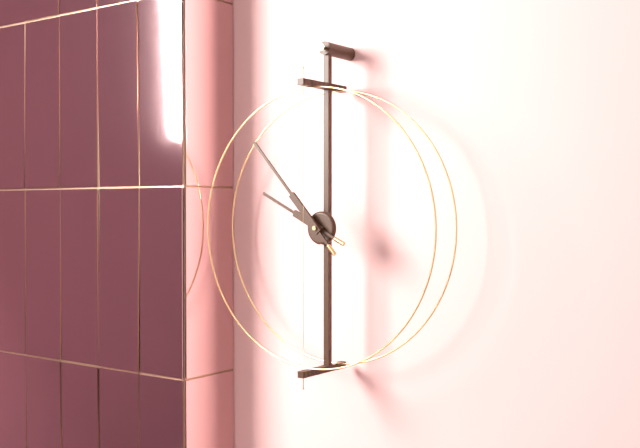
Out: {"hour": 9, "minute": 53}
